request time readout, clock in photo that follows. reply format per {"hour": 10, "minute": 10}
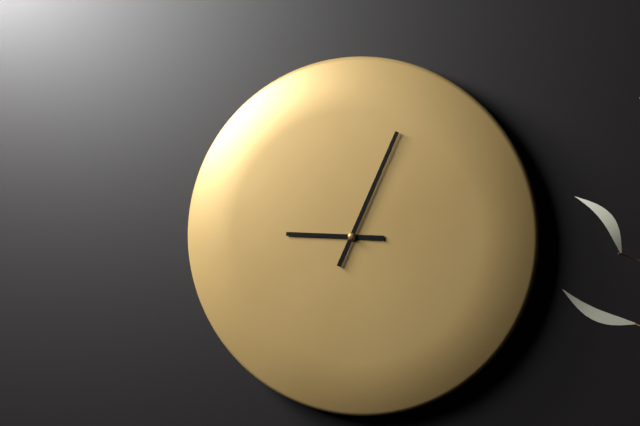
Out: {"hour": 9, "minute": 4}
